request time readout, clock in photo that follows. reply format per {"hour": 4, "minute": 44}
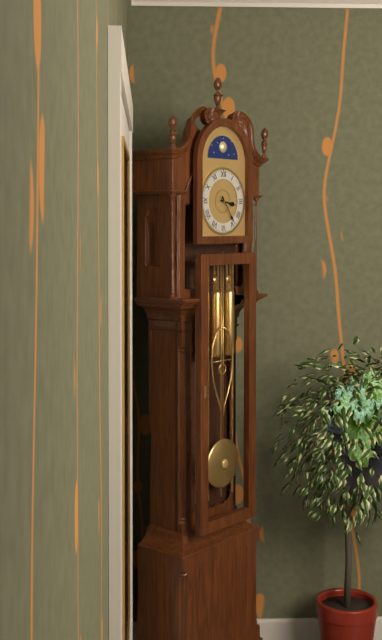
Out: {"hour": 3, "minute": 24}
